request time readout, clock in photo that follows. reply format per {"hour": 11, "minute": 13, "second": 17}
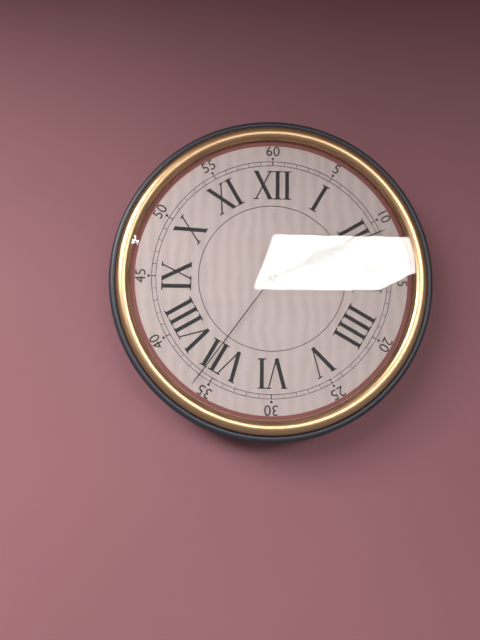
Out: {"hour": 2, "minute": 11, "second": 36}
